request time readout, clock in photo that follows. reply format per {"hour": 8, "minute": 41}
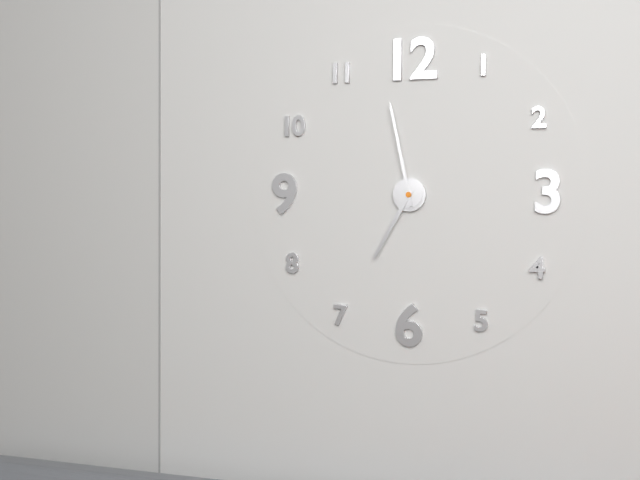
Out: {"hour": 6, "minute": 58}
